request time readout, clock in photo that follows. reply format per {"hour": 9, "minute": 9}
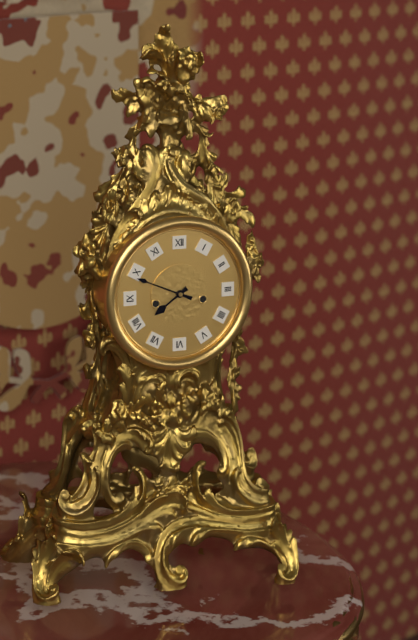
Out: {"hour": 7, "minute": 49}
